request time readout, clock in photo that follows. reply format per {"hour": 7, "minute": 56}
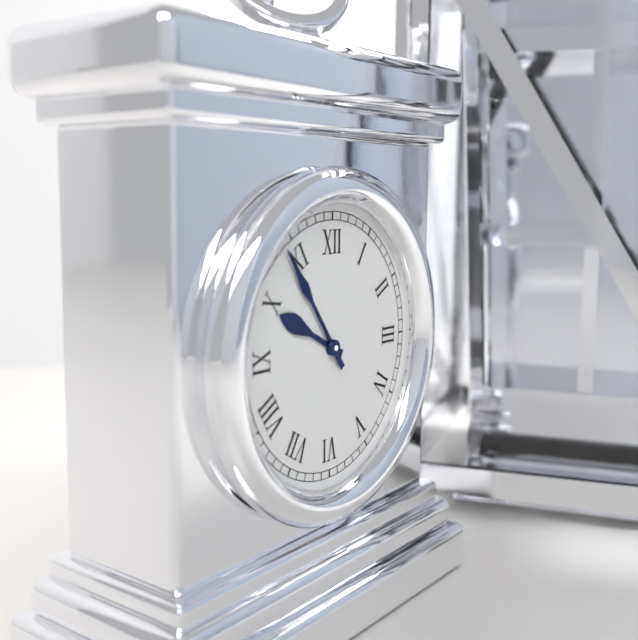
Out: {"hour": 9, "minute": 54}
